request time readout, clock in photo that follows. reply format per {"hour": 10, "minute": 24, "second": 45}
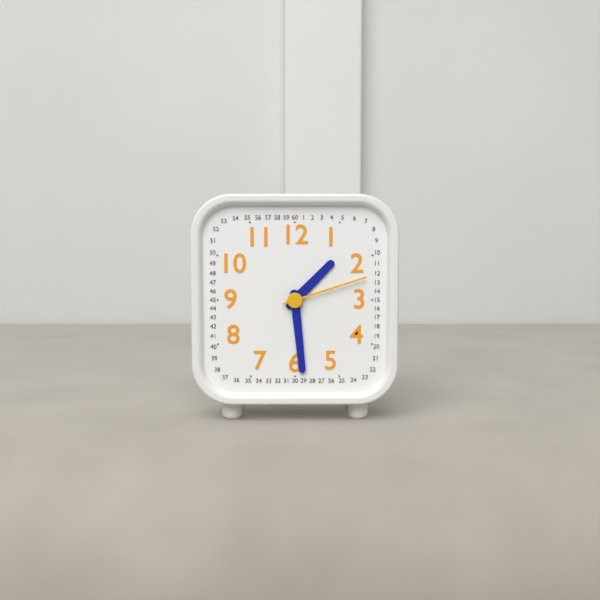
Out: {"hour": 1, "minute": 29, "second": 12}
